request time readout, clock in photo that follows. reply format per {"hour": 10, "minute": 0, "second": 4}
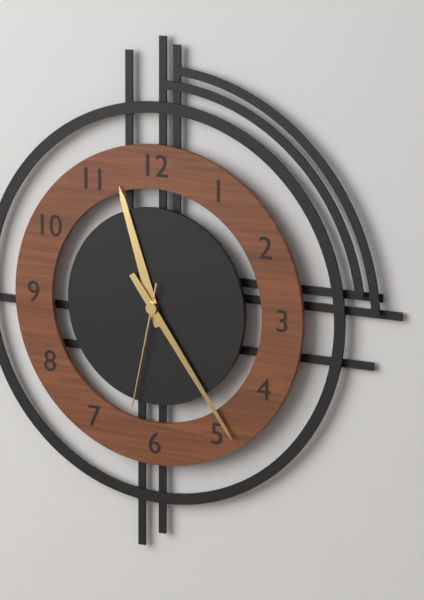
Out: {"hour": 11, "minute": 24, "second": 32}
